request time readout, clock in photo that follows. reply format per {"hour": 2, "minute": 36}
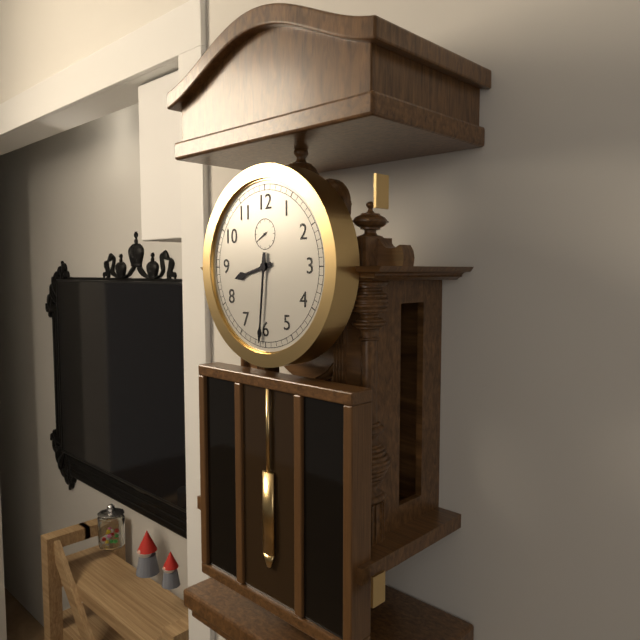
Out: {"hour": 8, "minute": 31}
